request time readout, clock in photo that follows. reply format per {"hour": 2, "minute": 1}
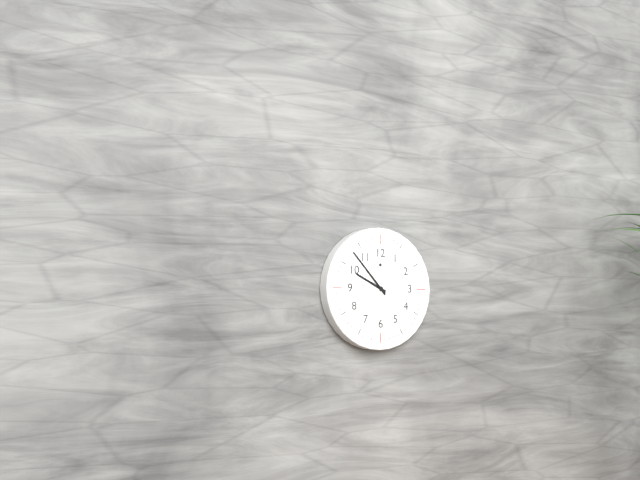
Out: {"hour": 9, "minute": 53}
